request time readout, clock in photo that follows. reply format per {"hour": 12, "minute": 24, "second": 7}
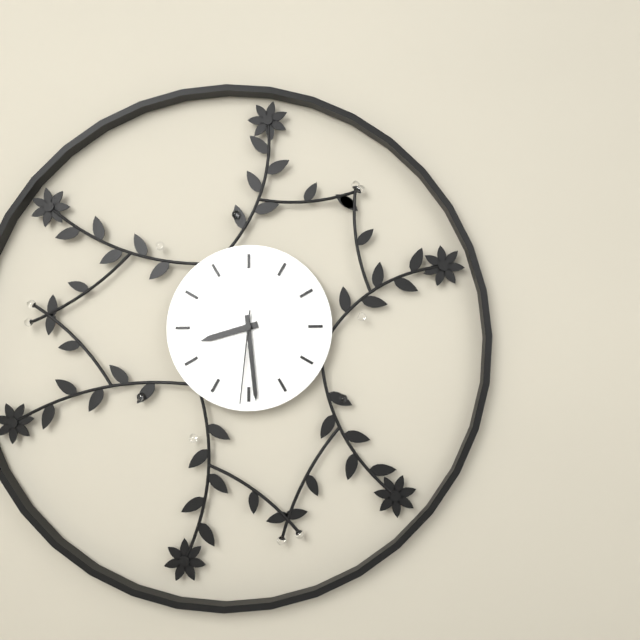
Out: {"hour": 8, "minute": 29, "second": 31}
